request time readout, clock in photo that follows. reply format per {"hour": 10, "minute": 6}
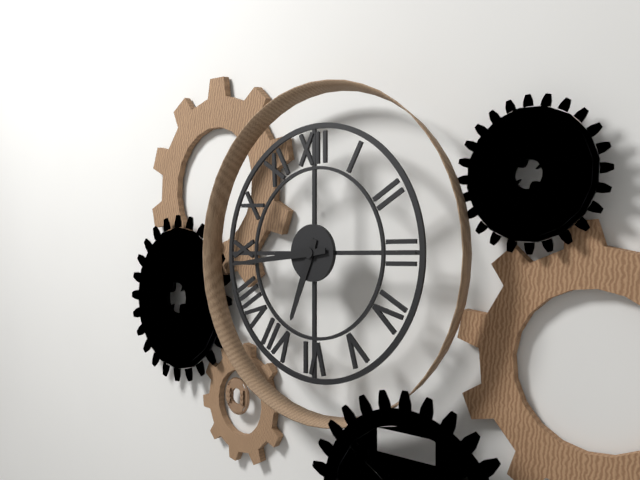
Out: {"hour": 6, "minute": 44}
